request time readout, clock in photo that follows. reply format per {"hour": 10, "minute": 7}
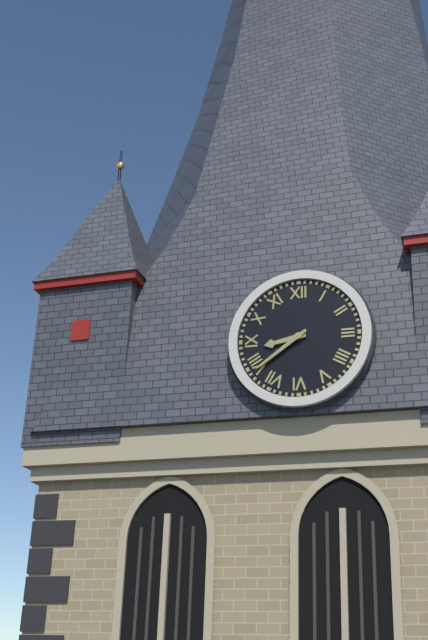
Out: {"hour": 8, "minute": 39}
